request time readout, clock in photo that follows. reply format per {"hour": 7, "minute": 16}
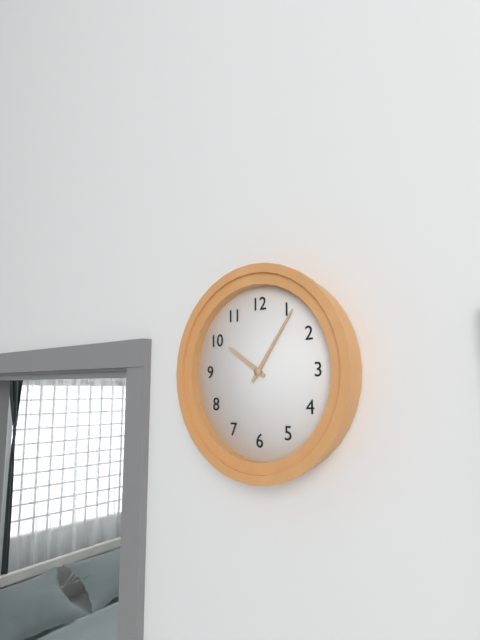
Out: {"hour": 10, "minute": 6}
